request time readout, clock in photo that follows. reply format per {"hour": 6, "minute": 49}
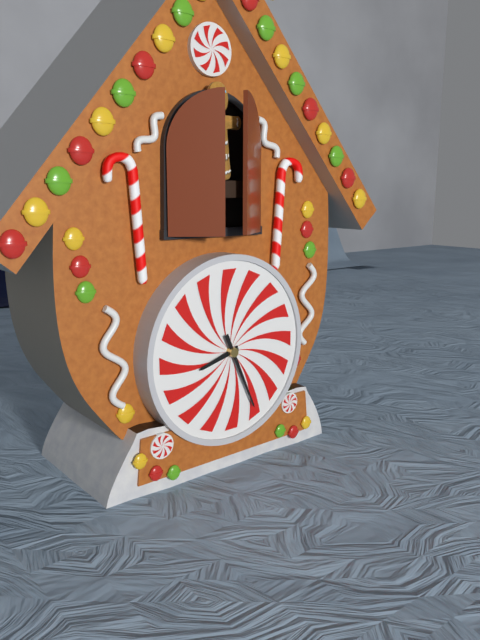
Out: {"hour": 8, "minute": 26}
